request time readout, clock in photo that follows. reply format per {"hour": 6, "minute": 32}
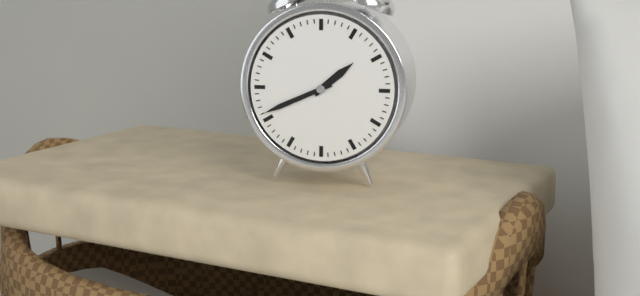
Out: {"hour": 1, "minute": 41}
